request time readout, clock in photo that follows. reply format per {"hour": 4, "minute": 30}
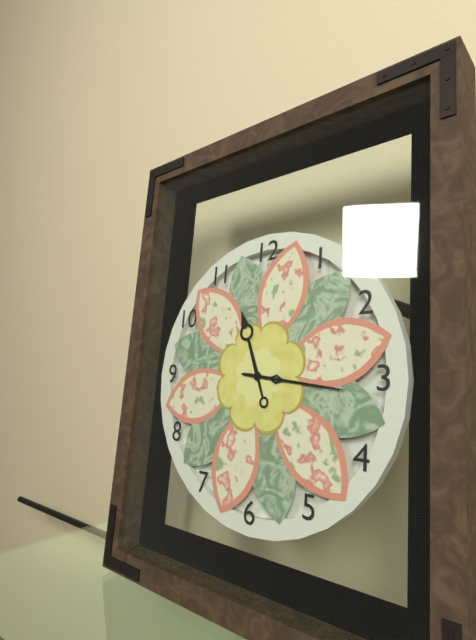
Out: {"hour": 11, "minute": 16}
